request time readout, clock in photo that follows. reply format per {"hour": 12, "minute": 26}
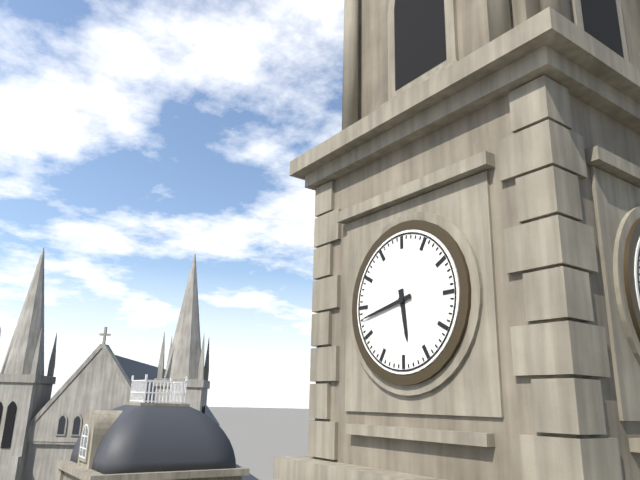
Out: {"hour": 5, "minute": 43}
